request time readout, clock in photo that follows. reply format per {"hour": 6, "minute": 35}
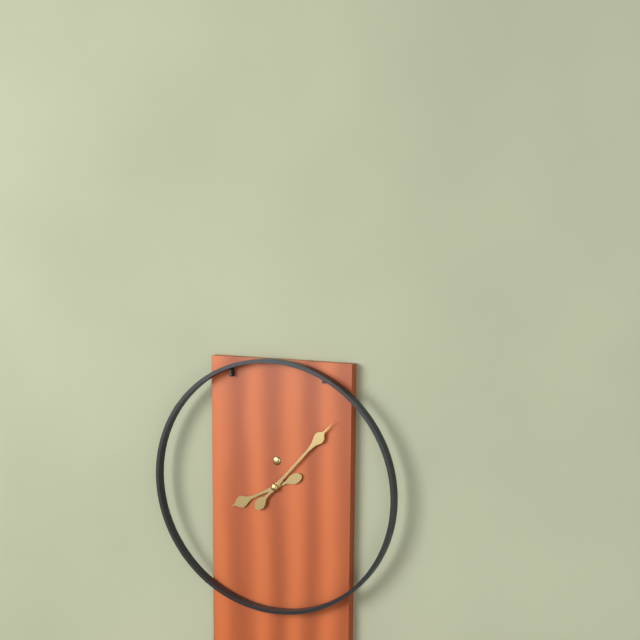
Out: {"hour": 8, "minute": 7}
